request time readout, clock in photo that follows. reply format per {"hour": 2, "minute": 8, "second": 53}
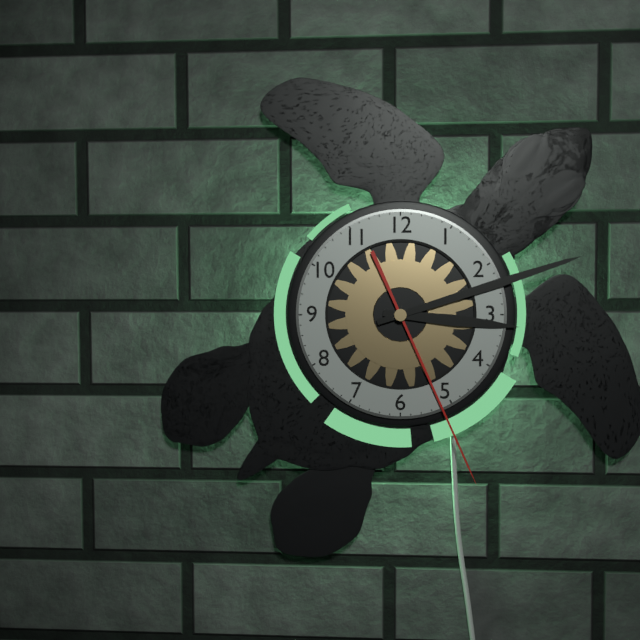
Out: {"hour": 3, "minute": 12, "second": 26}
